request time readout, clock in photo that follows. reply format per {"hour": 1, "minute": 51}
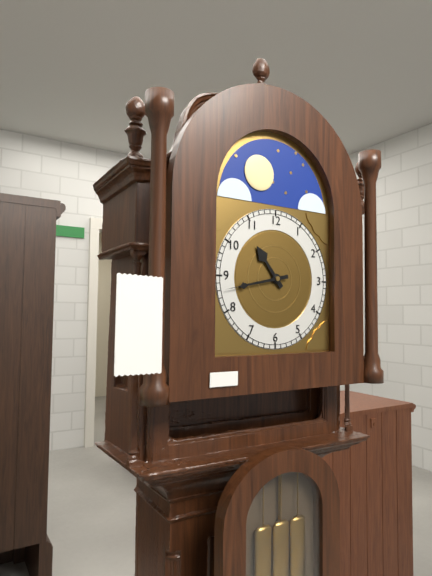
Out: {"hour": 10, "minute": 43}
